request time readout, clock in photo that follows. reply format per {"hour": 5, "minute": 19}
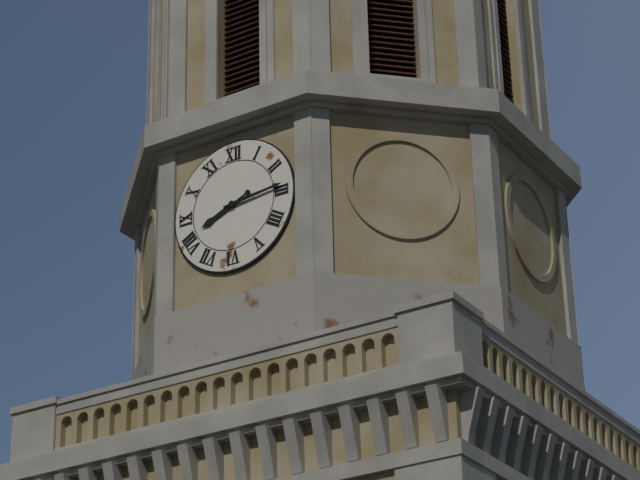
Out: {"hour": 8, "minute": 14}
